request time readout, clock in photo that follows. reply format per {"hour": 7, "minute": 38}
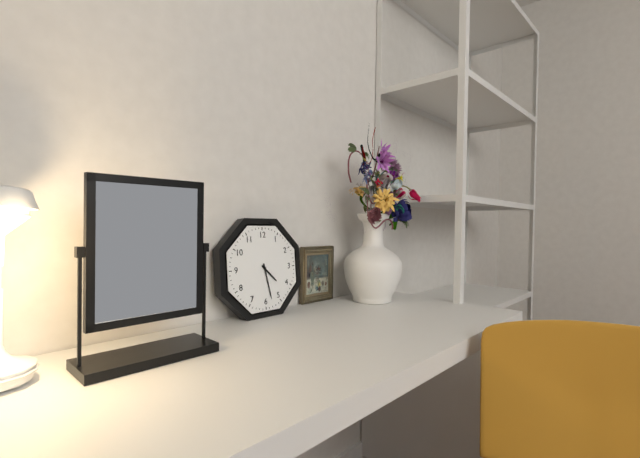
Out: {"hour": 4, "minute": 28}
